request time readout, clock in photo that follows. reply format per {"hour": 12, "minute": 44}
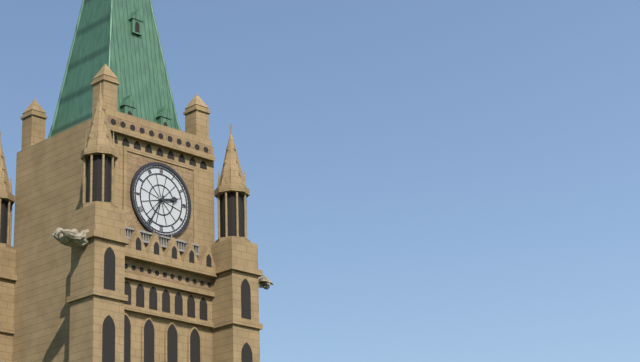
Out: {"hour": 2, "minute": 35}
